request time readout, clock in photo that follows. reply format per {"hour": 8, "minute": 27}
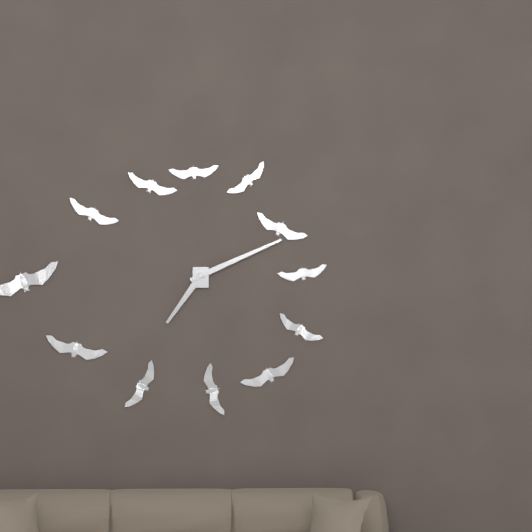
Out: {"hour": 7, "minute": 11}
